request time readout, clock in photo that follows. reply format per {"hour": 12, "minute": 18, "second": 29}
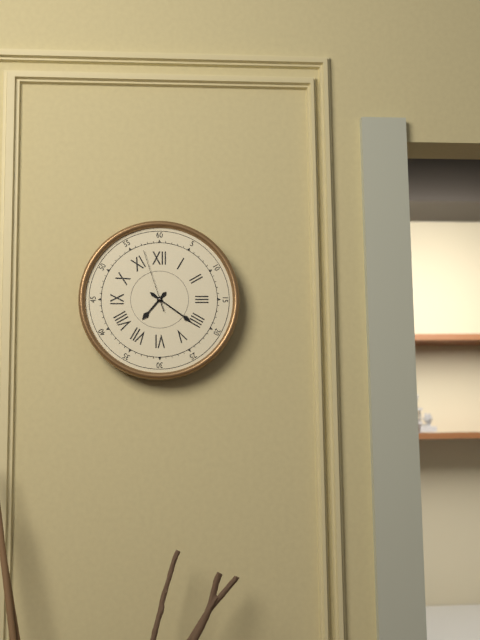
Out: {"hour": 7, "minute": 21, "second": 57}
